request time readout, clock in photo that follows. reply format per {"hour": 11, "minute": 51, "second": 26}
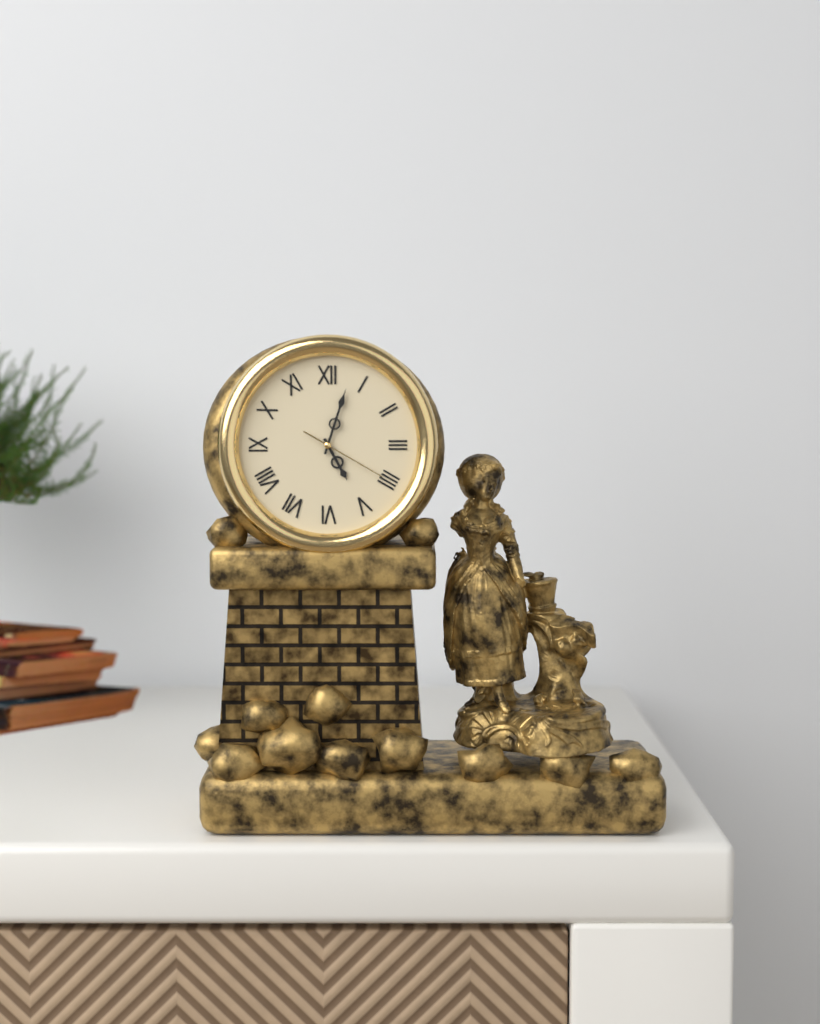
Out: {"hour": 5, "minute": 3, "second": 20}
